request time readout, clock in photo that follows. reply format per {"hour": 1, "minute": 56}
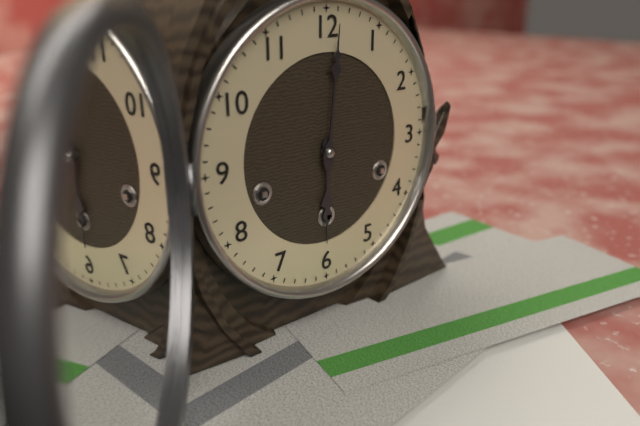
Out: {"hour": 6, "minute": 1}
